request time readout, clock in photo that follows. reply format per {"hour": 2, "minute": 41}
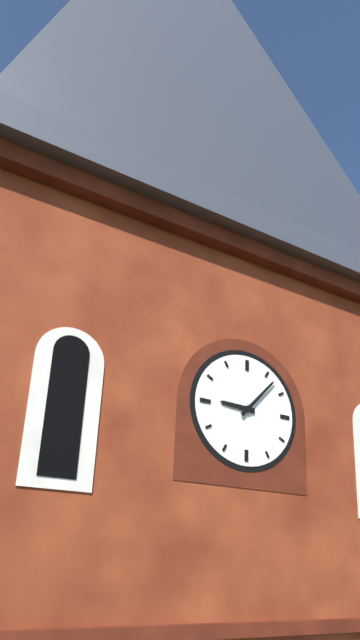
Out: {"hour": 9, "minute": 7}
